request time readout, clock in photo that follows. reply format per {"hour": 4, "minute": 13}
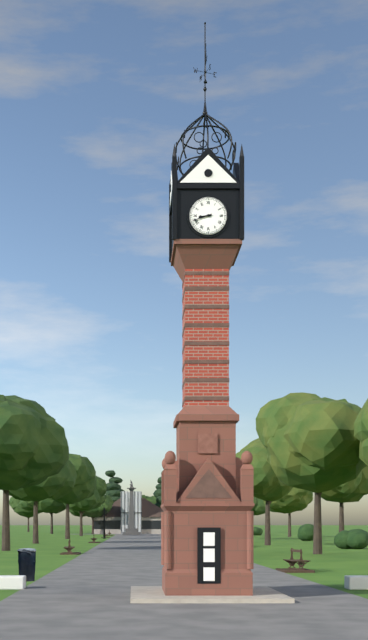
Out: {"hour": 8, "minute": 42}
